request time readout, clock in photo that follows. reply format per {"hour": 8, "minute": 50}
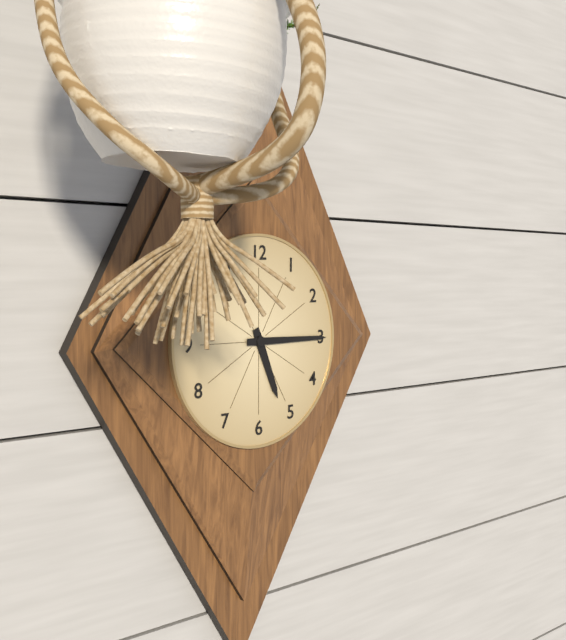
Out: {"hour": 5, "minute": 15}
